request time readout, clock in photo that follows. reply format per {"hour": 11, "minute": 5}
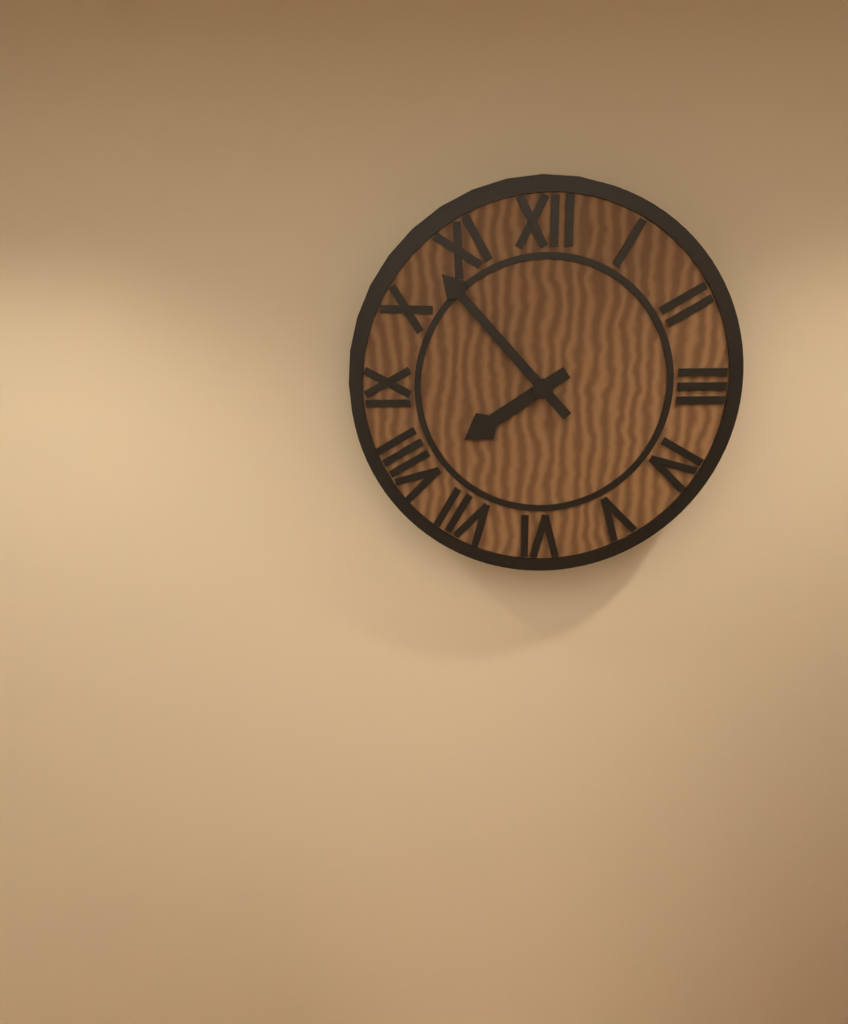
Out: {"hour": 7, "minute": 53}
